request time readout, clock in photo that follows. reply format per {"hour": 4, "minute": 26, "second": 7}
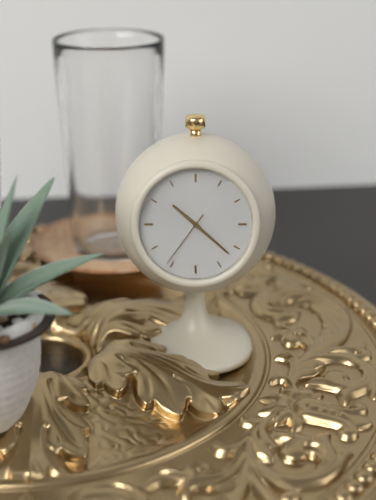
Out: {"hour": 10, "minute": 22, "second": 36}
